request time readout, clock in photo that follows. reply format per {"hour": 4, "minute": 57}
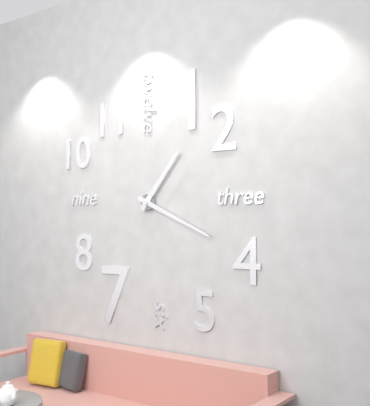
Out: {"hour": 1, "minute": 19}
